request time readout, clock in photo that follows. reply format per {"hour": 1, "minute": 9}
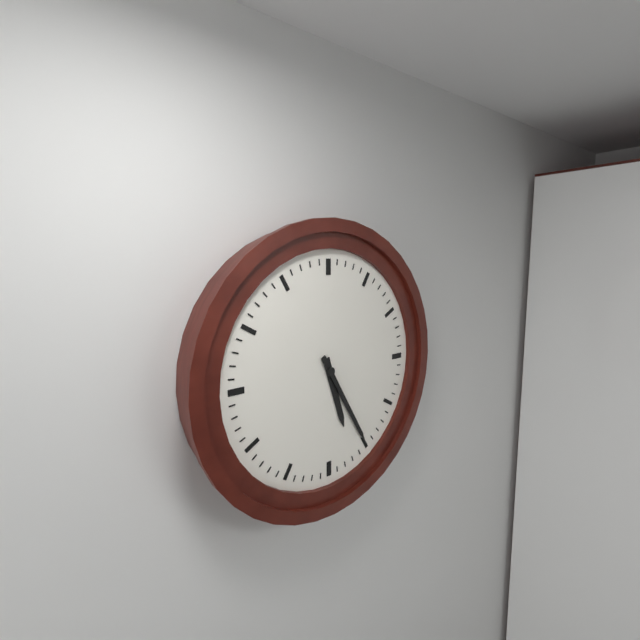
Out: {"hour": 5, "minute": 25}
